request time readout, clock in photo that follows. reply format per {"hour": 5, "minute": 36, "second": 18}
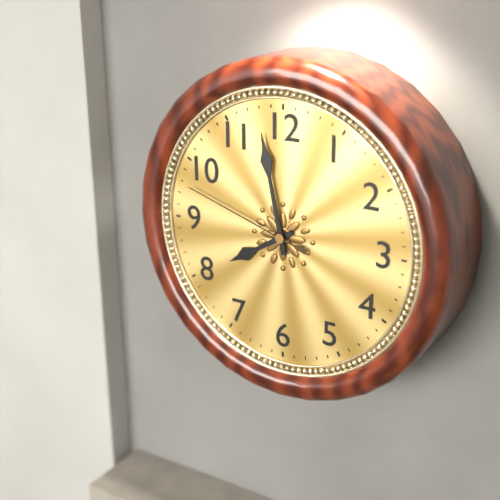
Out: {"hour": 7, "minute": 58, "second": 48}
